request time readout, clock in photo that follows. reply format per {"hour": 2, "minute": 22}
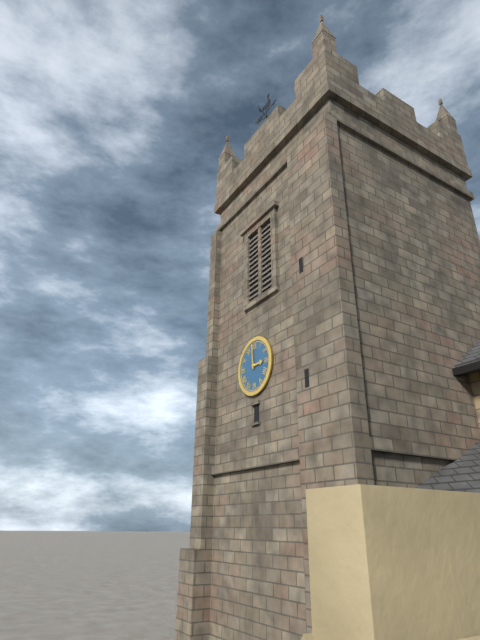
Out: {"hour": 2, "minute": 59}
